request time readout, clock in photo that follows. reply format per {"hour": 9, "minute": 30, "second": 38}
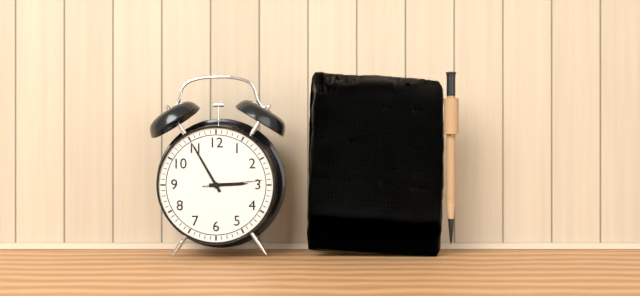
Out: {"hour": 2, "minute": 55, "second": 14}
